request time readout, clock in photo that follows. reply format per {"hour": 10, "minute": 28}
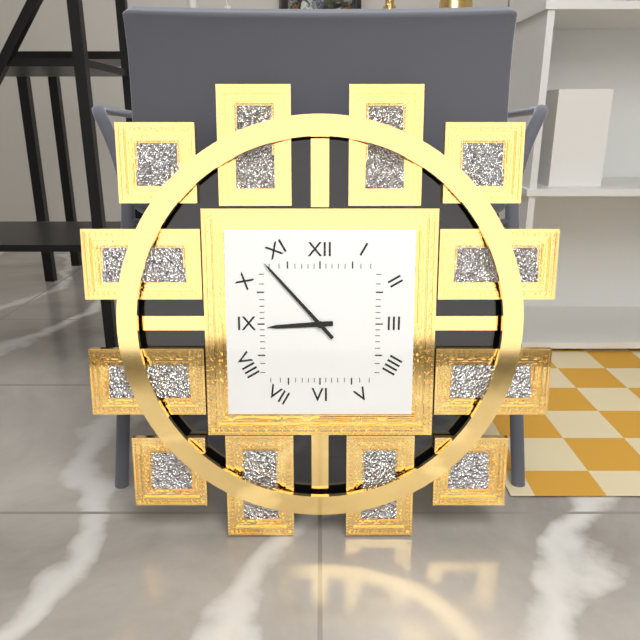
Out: {"hour": 8, "minute": 53}
